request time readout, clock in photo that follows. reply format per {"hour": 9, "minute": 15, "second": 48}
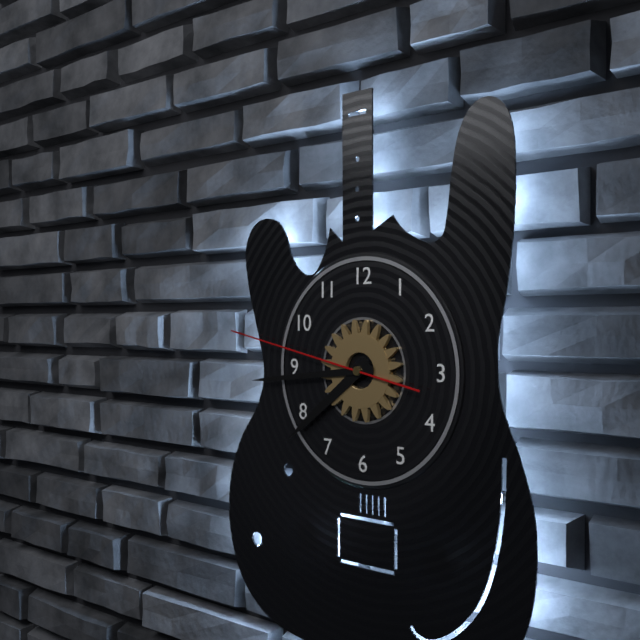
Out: {"hour": 7, "minute": 44, "second": 47}
